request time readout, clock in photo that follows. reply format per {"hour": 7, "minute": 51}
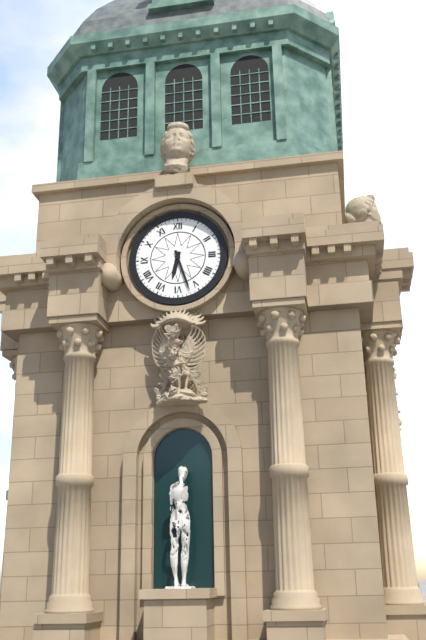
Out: {"hour": 6, "minute": 27}
